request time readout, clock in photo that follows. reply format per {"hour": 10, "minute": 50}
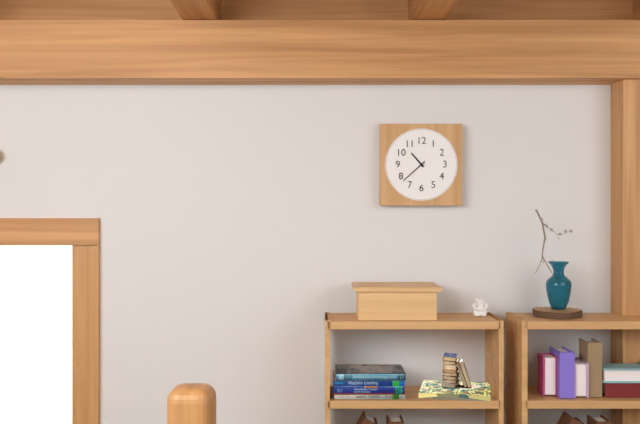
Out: {"hour": 10, "minute": 38}
